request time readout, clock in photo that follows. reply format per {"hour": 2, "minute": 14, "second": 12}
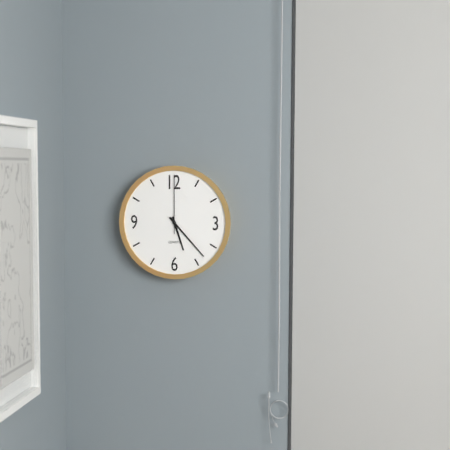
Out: {"hour": 5, "minute": 23, "second": 0}
